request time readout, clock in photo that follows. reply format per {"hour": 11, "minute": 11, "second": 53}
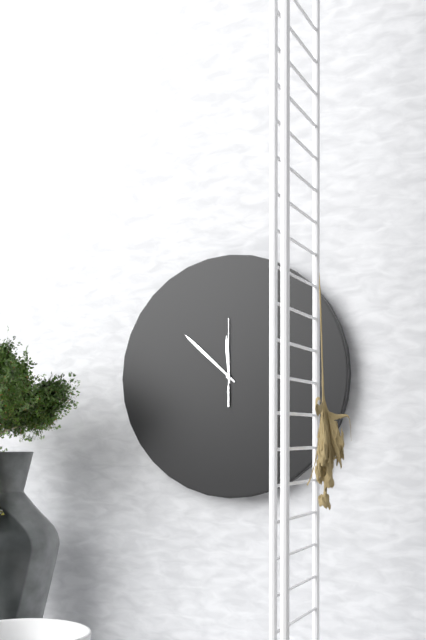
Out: {"hour": 11, "minute": 52, "second": 0}
